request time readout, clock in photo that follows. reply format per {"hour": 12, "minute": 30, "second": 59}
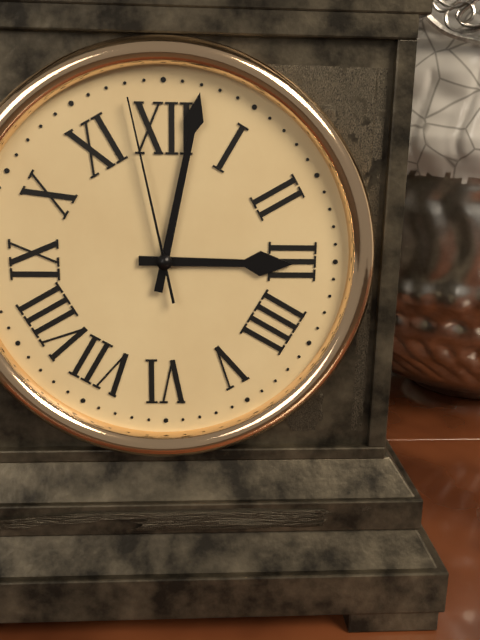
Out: {"hour": 3, "minute": 2, "second": 58}
